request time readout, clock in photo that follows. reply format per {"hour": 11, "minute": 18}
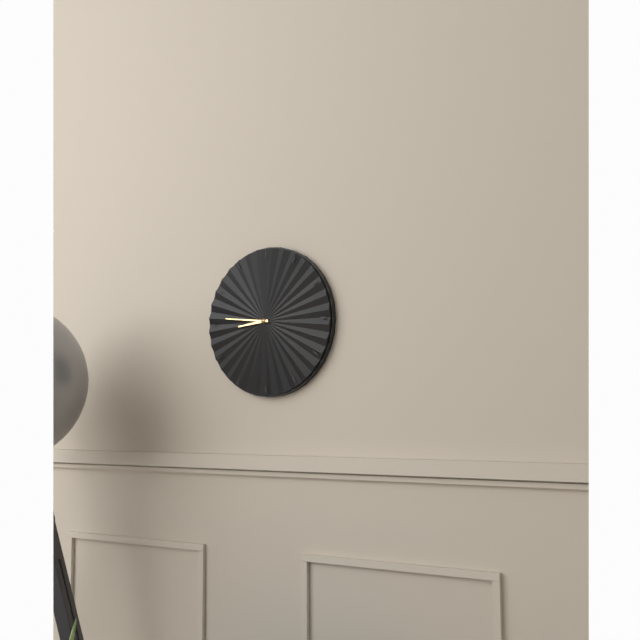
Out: {"hour": 8, "minute": 46}
